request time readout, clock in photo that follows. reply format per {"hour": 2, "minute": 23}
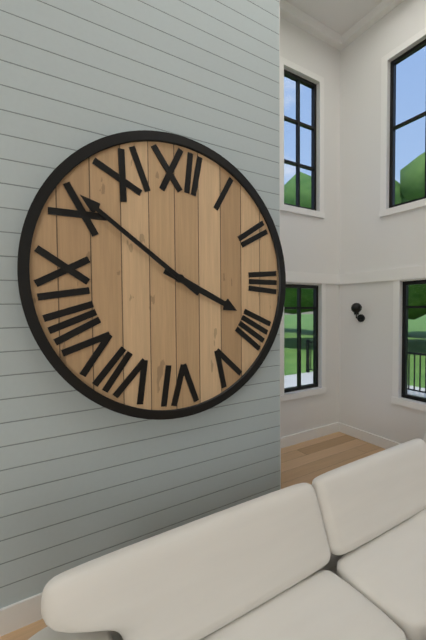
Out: {"hour": 3, "minute": 51}
